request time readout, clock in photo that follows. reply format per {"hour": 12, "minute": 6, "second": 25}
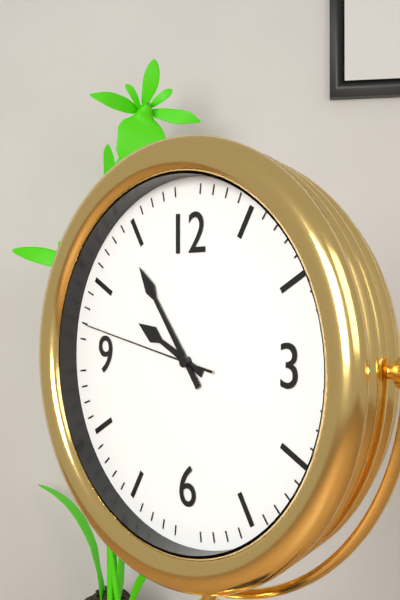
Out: {"hour": 9, "minute": 54, "second": 47}
